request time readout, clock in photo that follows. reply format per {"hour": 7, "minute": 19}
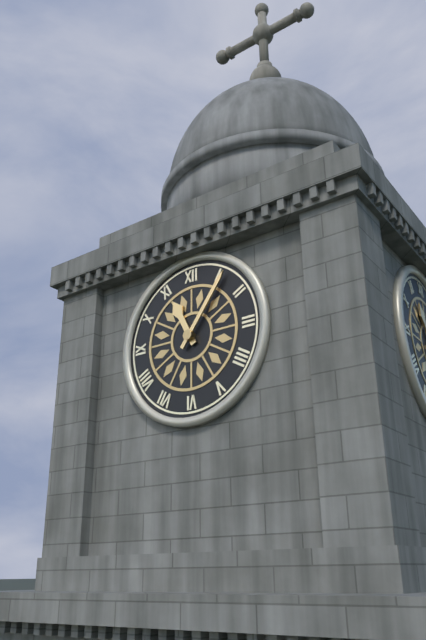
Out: {"hour": 11, "minute": 6}
